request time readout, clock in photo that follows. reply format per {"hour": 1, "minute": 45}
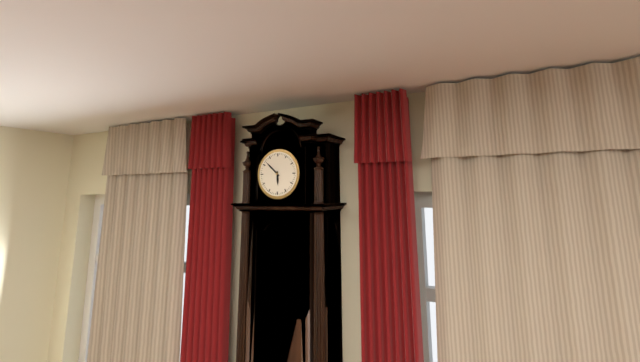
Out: {"hour": 5, "minute": 52}
